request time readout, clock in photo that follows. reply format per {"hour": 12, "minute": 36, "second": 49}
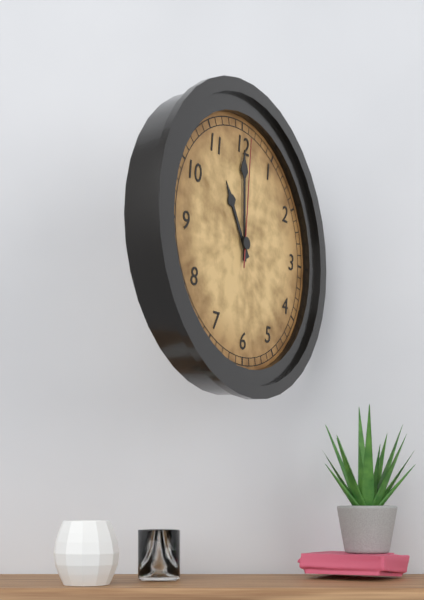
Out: {"hour": 11, "minute": 0, "second": 1}
